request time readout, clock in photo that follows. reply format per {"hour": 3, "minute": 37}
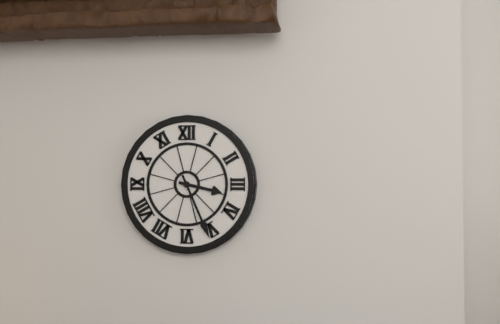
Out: {"hour": 3, "minute": 26}
